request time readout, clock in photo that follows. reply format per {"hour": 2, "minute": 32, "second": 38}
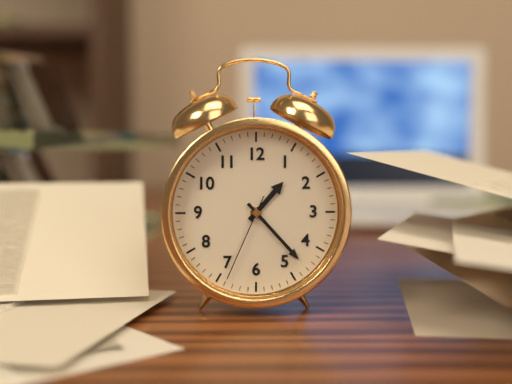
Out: {"hour": 1, "minute": 23, "second": 34}
